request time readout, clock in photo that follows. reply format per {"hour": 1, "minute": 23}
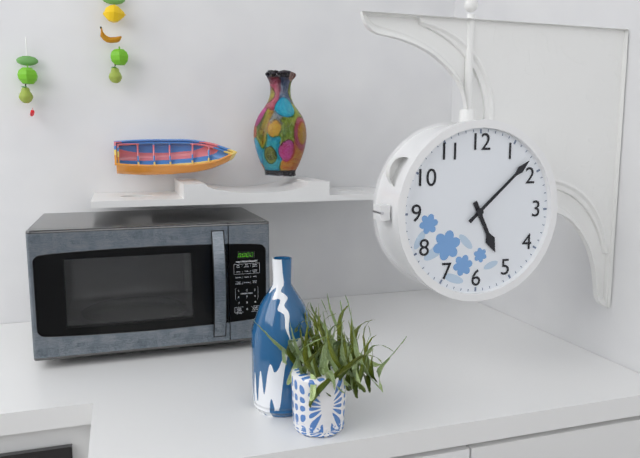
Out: {"hour": 5, "minute": 8}
